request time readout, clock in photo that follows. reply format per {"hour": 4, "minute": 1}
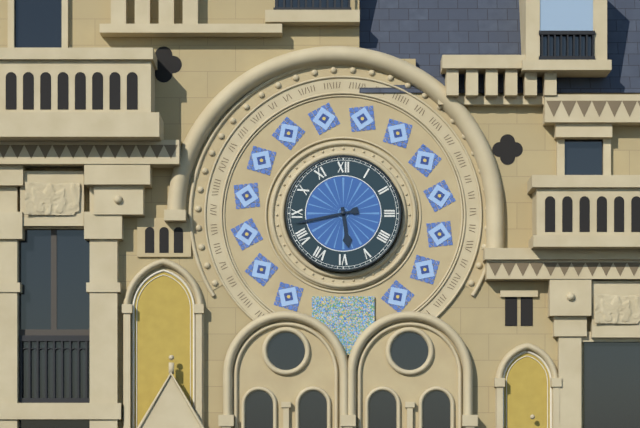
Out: {"hour": 5, "minute": 43}
